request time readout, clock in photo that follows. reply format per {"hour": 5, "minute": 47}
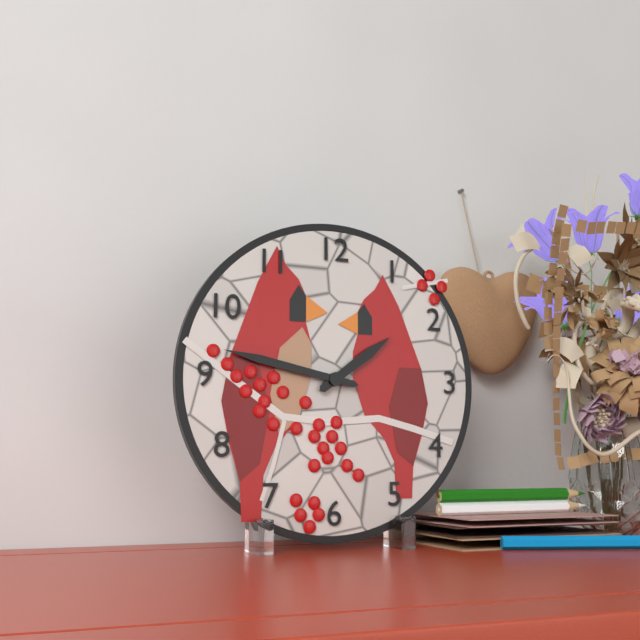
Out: {"hour": 1, "minute": 47}
